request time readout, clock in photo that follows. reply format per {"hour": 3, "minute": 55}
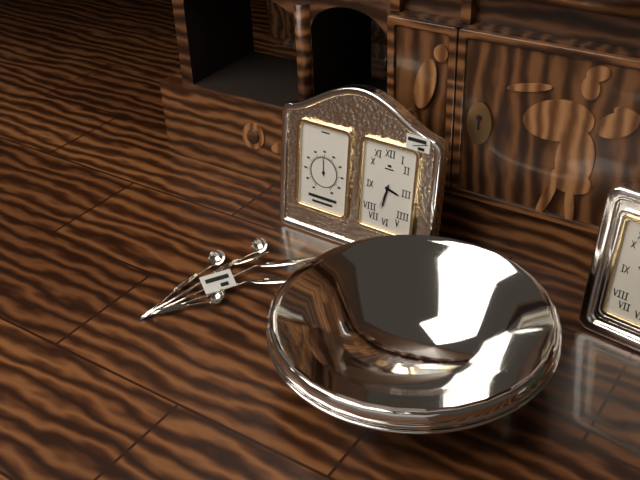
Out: {"hour": 3, "minute": 32}
